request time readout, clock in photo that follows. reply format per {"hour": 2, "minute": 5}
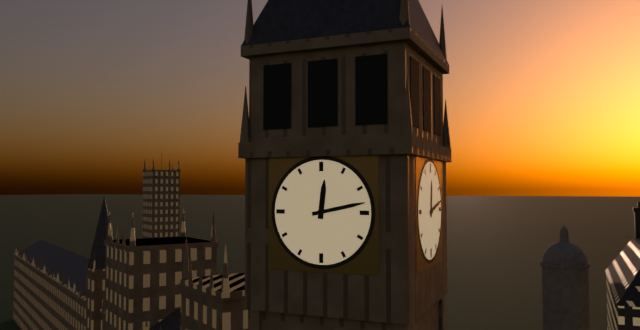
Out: {"hour": 12, "minute": 13}
